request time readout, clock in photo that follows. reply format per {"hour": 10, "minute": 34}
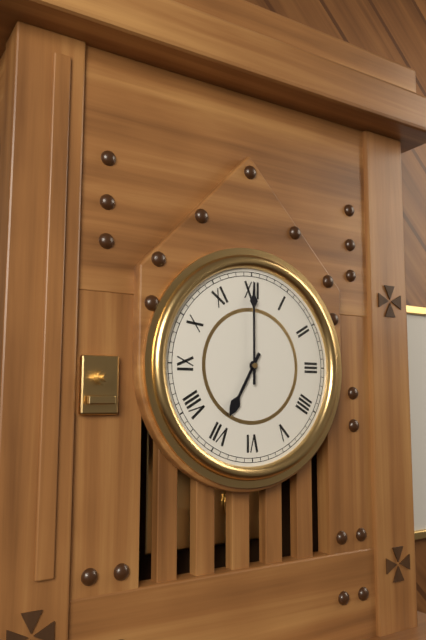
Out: {"hour": 7, "minute": 0}
